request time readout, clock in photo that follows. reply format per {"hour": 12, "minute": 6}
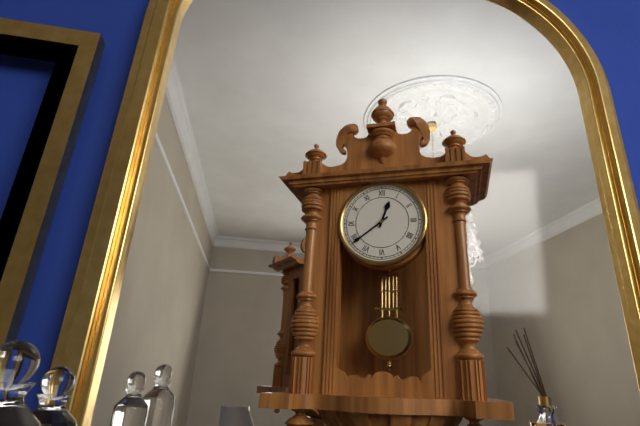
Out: {"hour": 12, "minute": 39}
